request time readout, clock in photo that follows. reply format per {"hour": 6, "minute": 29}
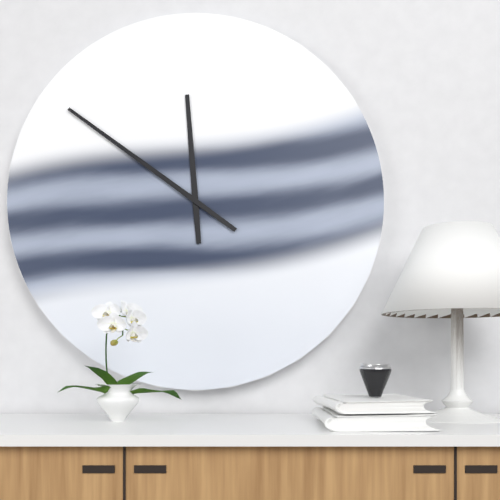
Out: {"hour": 11, "minute": 51}
